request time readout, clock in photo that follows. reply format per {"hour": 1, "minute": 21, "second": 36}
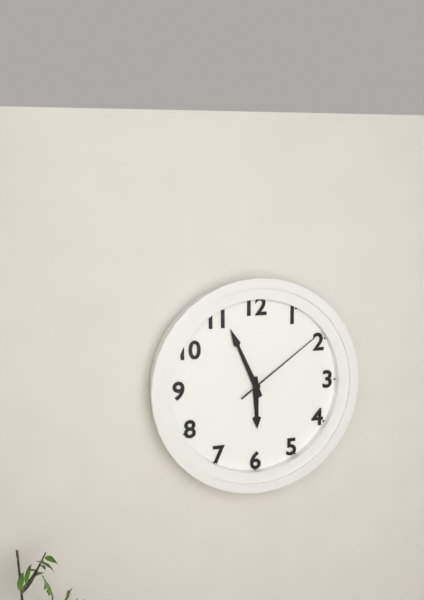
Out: {"hour": 5, "minute": 56, "second": 9}
